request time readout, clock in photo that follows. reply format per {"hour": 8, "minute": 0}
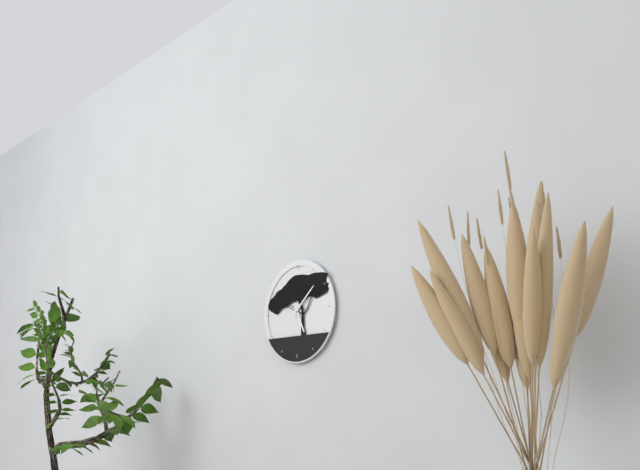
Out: {"hour": 5, "minute": 8}
